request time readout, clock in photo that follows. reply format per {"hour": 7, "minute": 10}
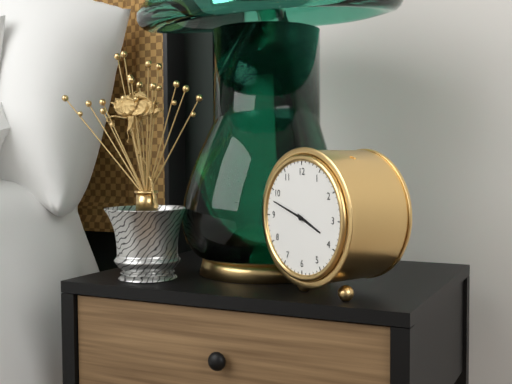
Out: {"hour": 3, "minute": 48}
